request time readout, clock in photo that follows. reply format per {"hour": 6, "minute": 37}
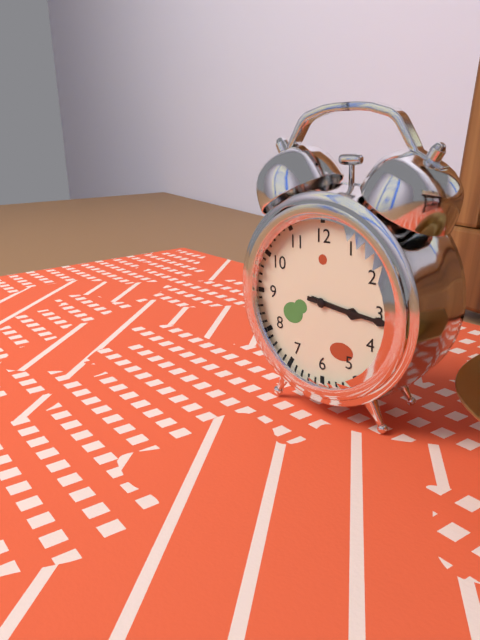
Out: {"hour": 3, "minute": 16}
